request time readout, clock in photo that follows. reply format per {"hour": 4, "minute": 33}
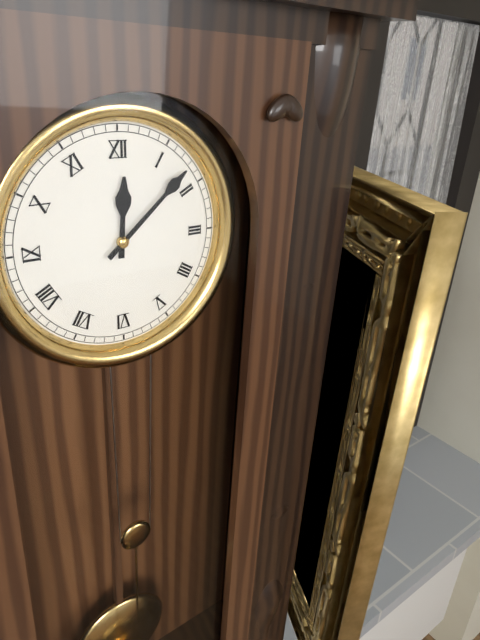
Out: {"hour": 12, "minute": 8}
